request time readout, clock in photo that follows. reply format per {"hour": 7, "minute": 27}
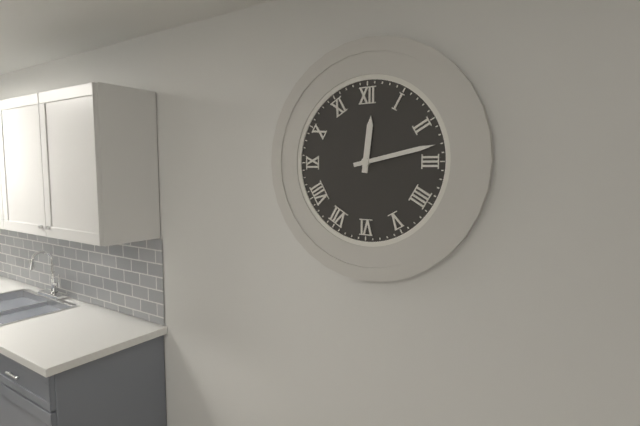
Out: {"hour": 12, "minute": 13}
